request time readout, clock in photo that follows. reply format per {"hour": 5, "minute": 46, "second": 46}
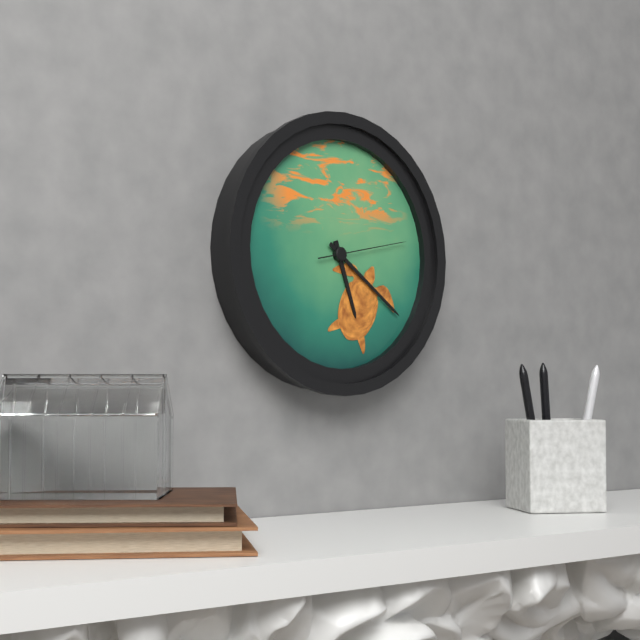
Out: {"hour": 5, "minute": 21, "second": 13}
